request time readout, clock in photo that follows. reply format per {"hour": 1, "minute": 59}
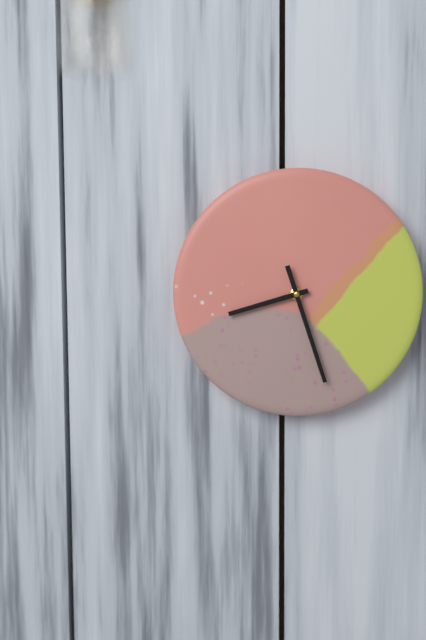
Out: {"hour": 8, "minute": 27}
